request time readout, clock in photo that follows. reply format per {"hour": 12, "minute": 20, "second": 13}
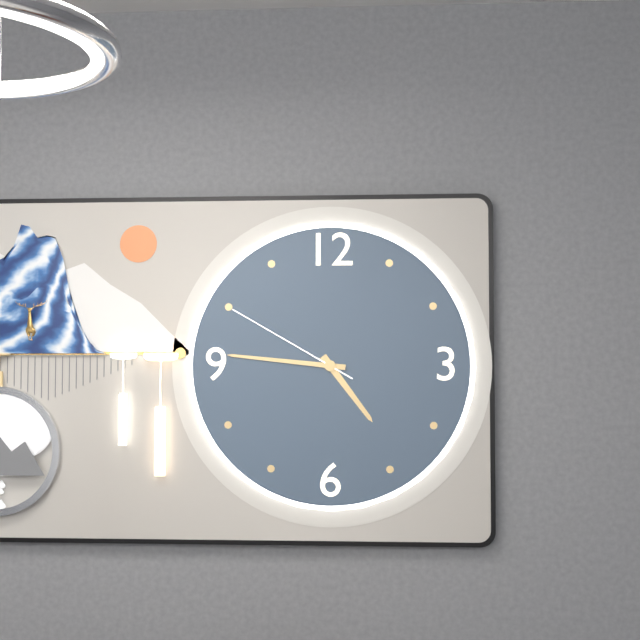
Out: {"hour": 4, "minute": 46, "second": 50}
